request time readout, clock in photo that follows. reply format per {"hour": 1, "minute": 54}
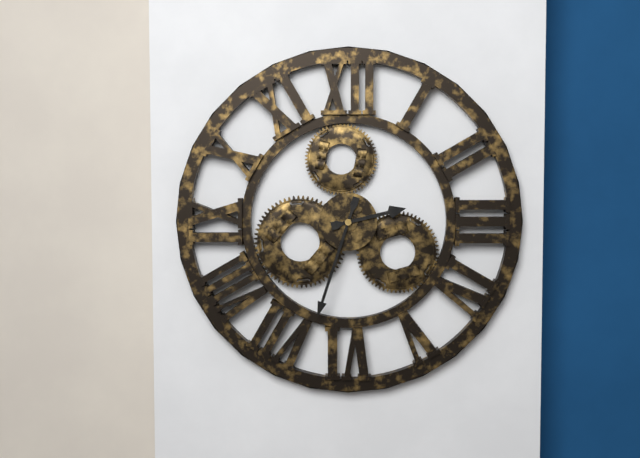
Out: {"hour": 2, "minute": 33}
